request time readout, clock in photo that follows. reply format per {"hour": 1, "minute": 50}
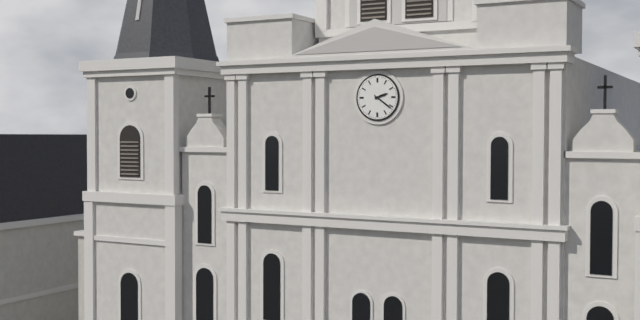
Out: {"hour": 2, "minute": 21}
